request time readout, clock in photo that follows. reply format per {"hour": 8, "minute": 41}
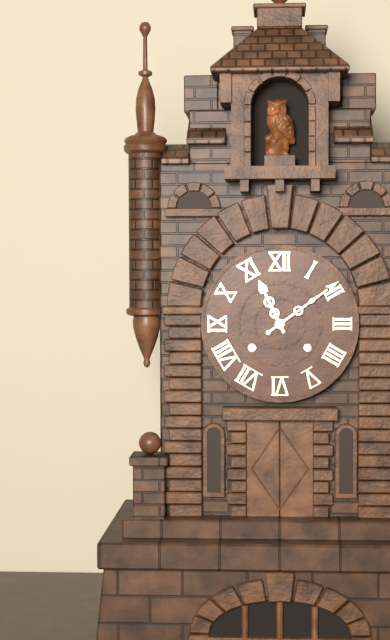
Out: {"hour": 11, "minute": 9}
